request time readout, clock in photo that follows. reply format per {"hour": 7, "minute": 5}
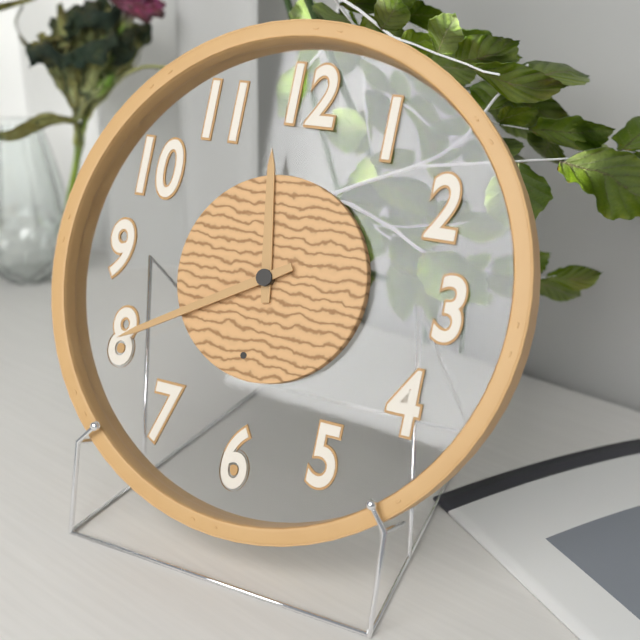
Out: {"hour": 11, "minute": 40}
